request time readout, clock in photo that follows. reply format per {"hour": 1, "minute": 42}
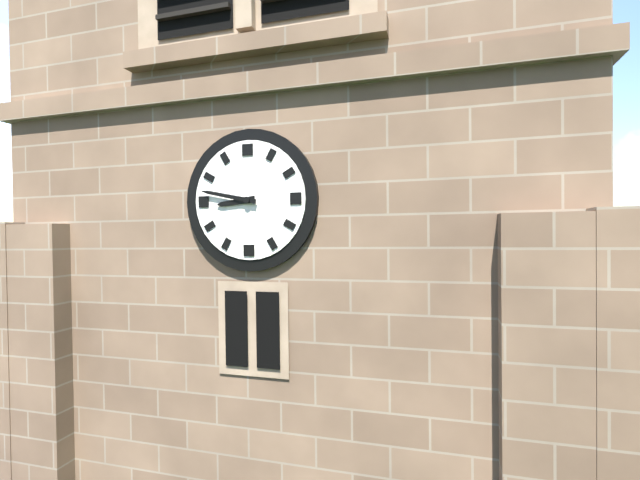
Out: {"hour": 8, "minute": 47}
